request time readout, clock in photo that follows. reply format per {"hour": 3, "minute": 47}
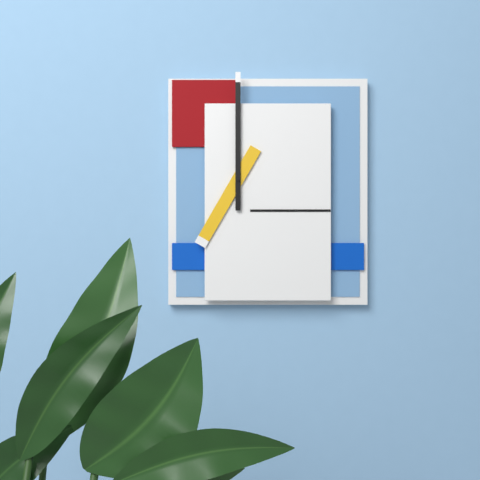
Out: {"hour": 7, "minute": 0}
